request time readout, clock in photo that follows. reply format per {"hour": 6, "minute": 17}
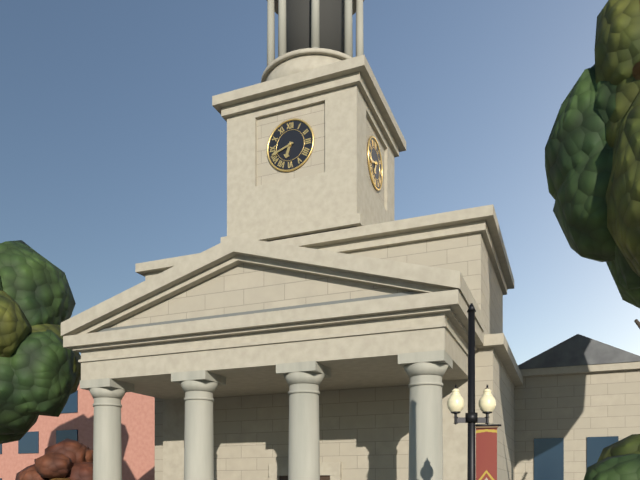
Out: {"hour": 6, "minute": 42}
